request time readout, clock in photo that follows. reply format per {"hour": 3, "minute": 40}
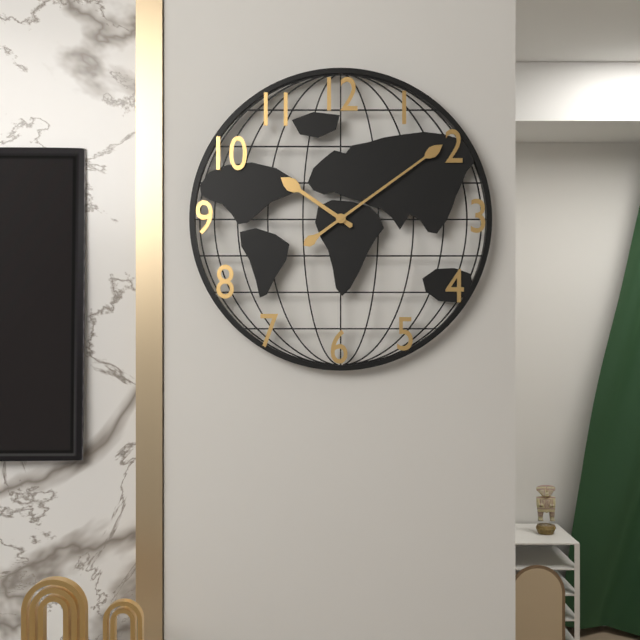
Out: {"hour": 10, "minute": 9}
